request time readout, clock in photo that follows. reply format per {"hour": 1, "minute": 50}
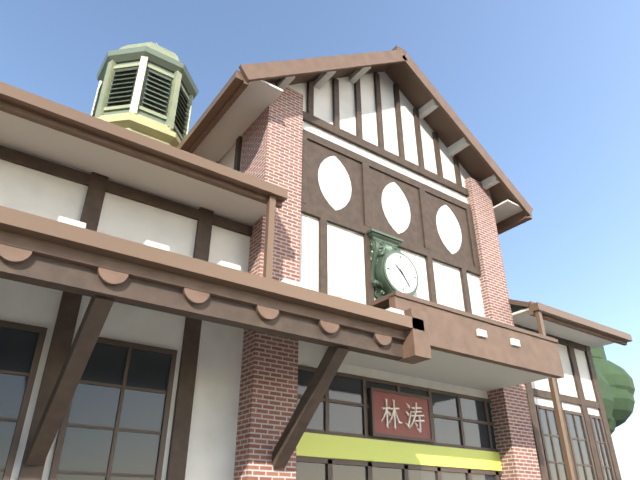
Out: {"hour": 10, "minute": 24}
